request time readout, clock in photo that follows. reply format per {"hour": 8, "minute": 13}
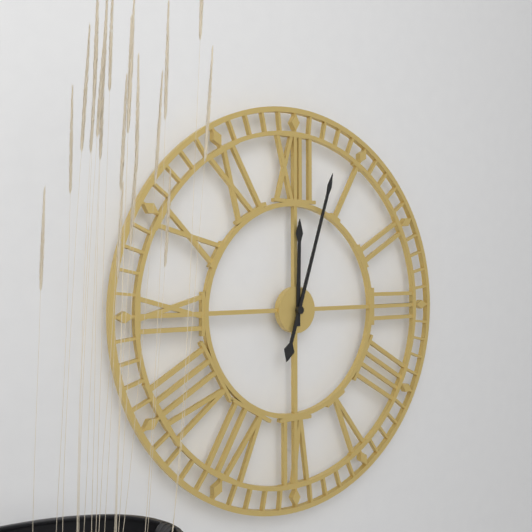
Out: {"hour": 12, "minute": 3}
